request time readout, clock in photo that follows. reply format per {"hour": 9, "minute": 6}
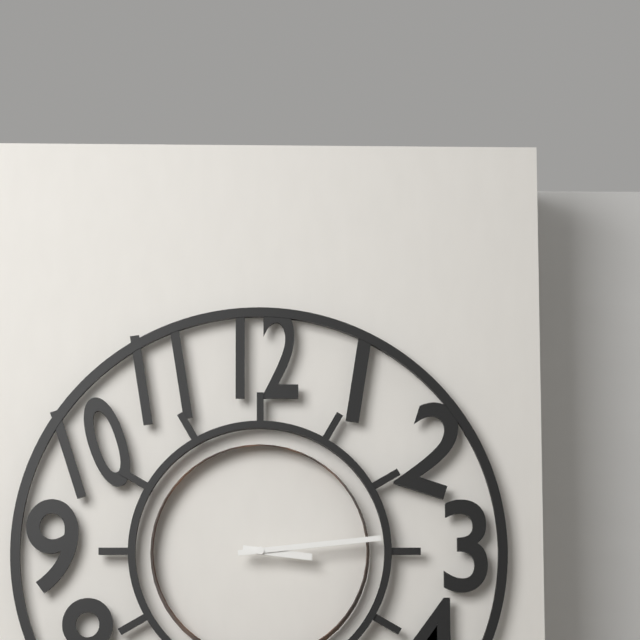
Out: {"hour": 3, "minute": 14}
